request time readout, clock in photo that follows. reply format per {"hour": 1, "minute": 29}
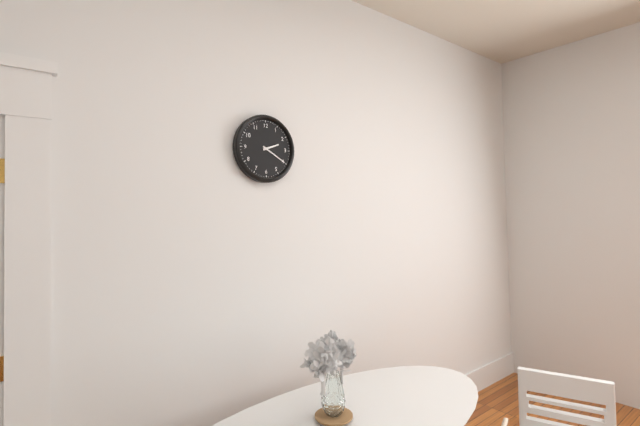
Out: {"hour": 2, "minute": 20}
